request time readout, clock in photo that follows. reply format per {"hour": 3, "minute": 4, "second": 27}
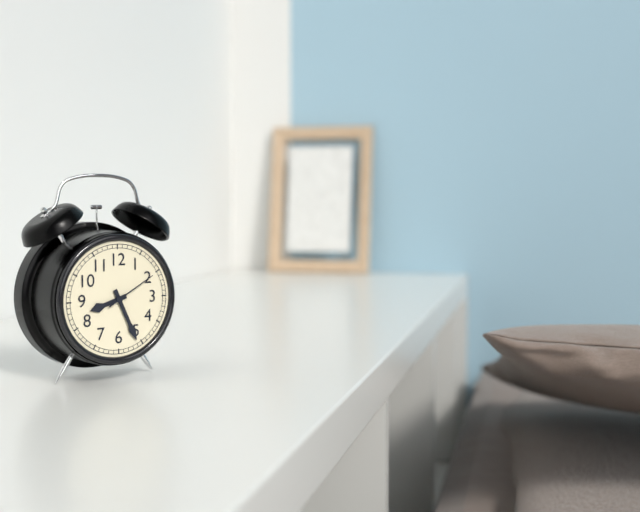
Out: {"hour": 8, "minute": 26, "second": 10}
